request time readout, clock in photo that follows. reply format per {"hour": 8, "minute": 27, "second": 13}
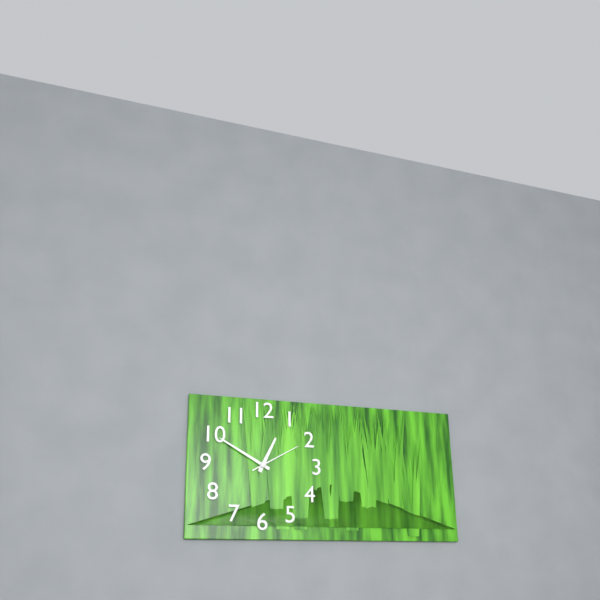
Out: {"hour": 12, "minute": 50, "second": 10}
